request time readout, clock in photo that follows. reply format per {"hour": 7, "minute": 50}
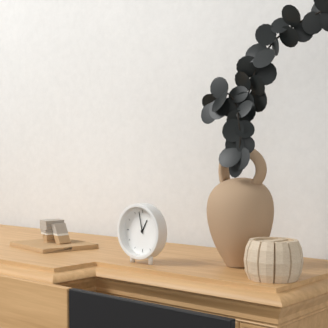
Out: {"hour": 12, "minute": 58}
